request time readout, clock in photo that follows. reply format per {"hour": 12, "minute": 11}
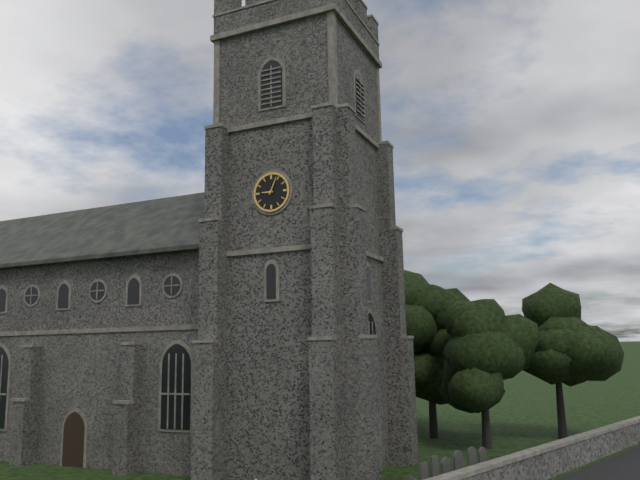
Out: {"hour": 9, "minute": 4}
